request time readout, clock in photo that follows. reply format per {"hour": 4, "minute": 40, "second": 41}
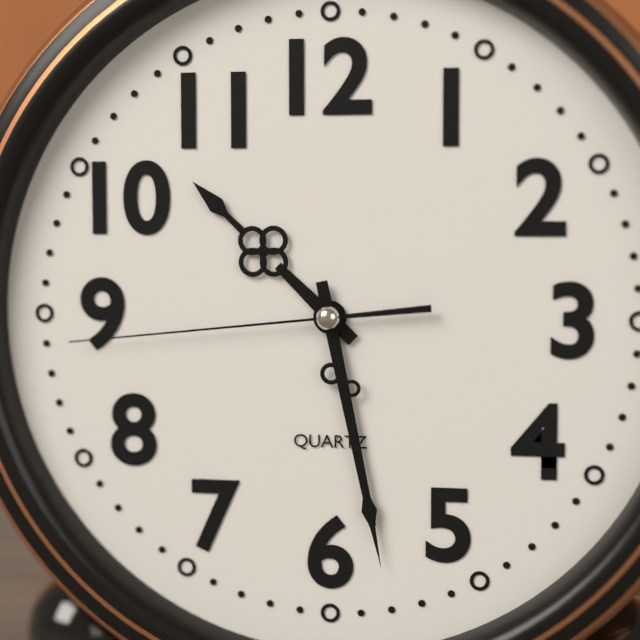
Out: {"hour": 10, "minute": 28, "second": 44}
